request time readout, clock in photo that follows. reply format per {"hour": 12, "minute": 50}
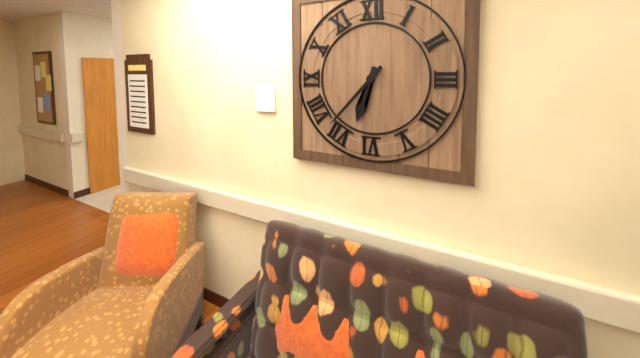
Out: {"hour": 6, "minute": 37}
